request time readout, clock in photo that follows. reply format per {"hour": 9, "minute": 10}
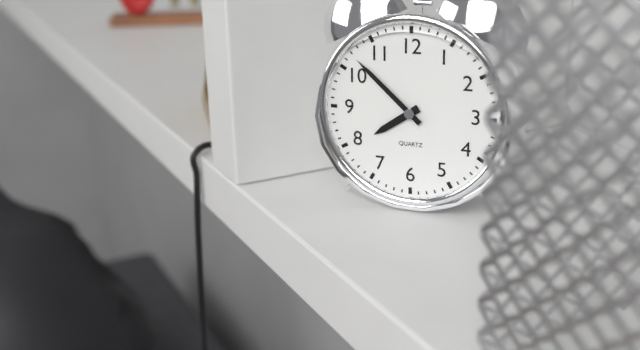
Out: {"hour": 7, "minute": 52}
